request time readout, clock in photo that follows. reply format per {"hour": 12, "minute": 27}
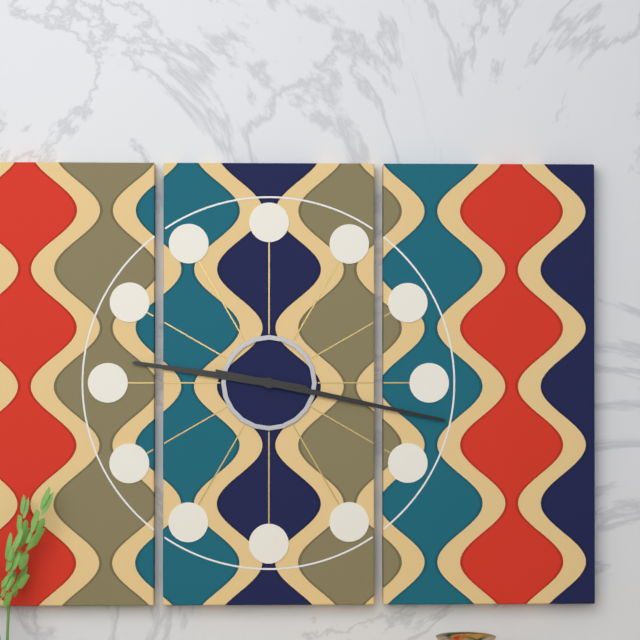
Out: {"hour": 9, "minute": 17}
